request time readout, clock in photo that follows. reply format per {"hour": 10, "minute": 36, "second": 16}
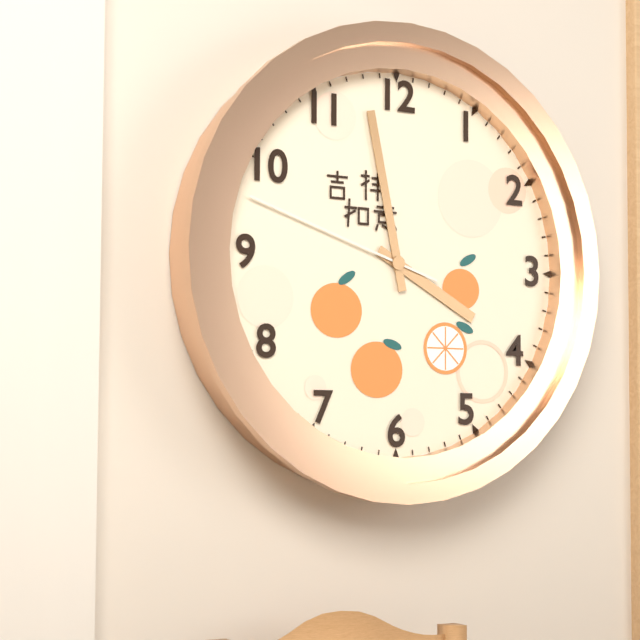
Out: {"hour": 3, "minute": 58, "second": 48}
